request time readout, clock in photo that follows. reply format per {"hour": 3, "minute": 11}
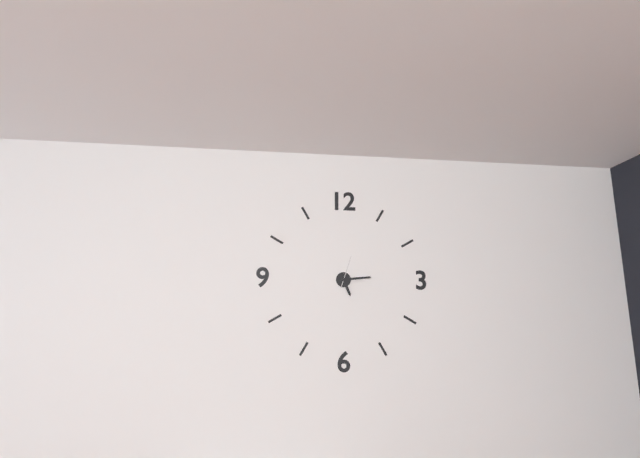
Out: {"hour": 5, "minute": 14}
